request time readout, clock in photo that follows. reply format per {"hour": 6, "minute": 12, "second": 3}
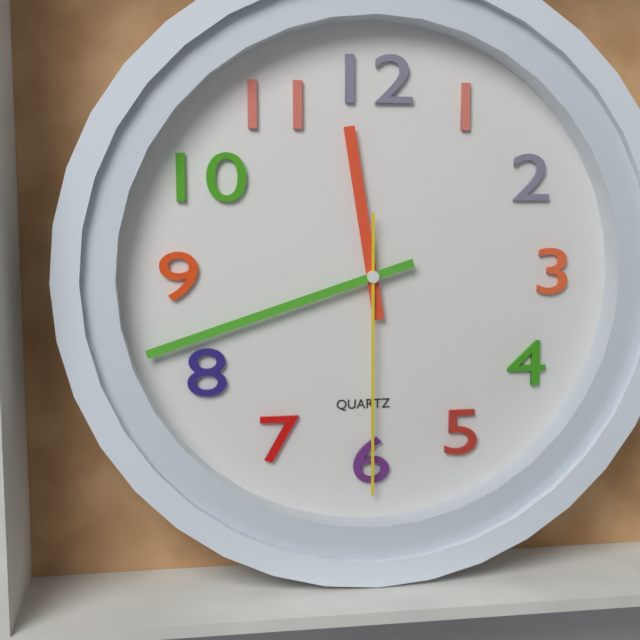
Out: {"hour": 11, "minute": 42, "second": 30}
